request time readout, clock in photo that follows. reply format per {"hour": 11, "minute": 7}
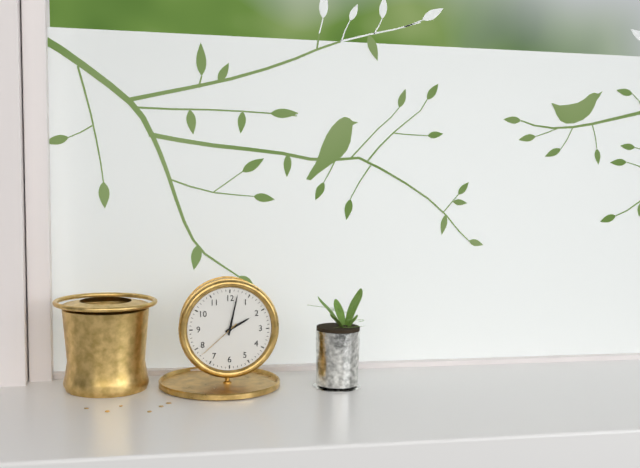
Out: {"hour": 2, "minute": 2}
